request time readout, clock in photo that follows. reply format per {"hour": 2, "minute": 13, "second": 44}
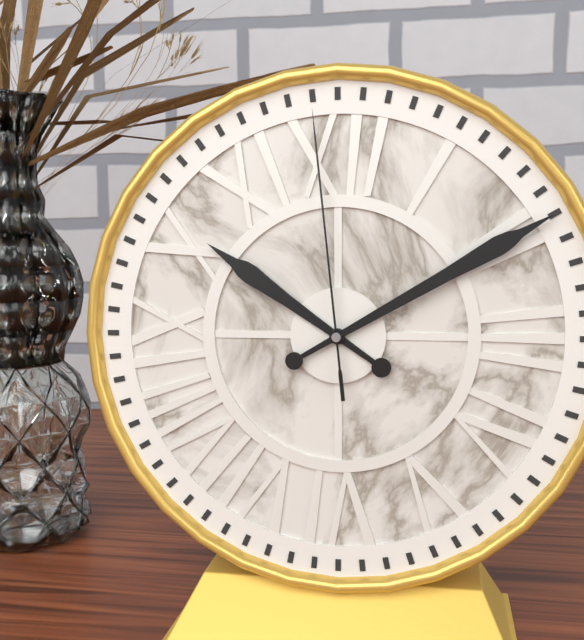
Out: {"hour": 10, "minute": 10, "second": 59}
